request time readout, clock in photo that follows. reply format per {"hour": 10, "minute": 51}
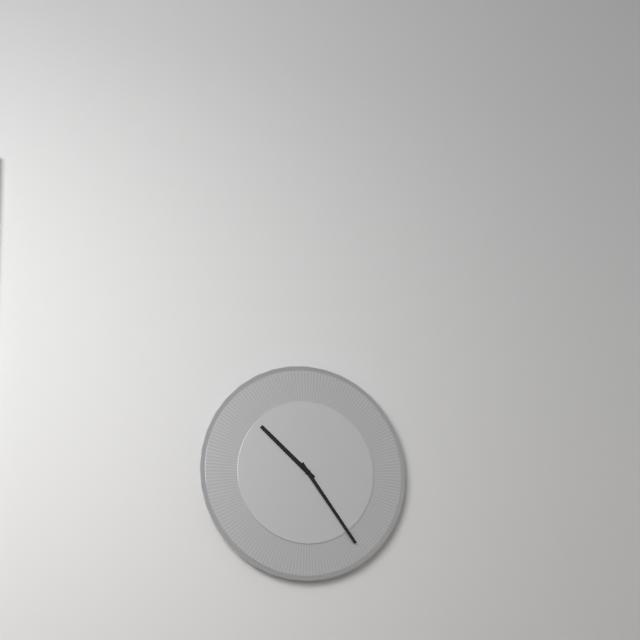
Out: {"hour": 10, "minute": 24}
